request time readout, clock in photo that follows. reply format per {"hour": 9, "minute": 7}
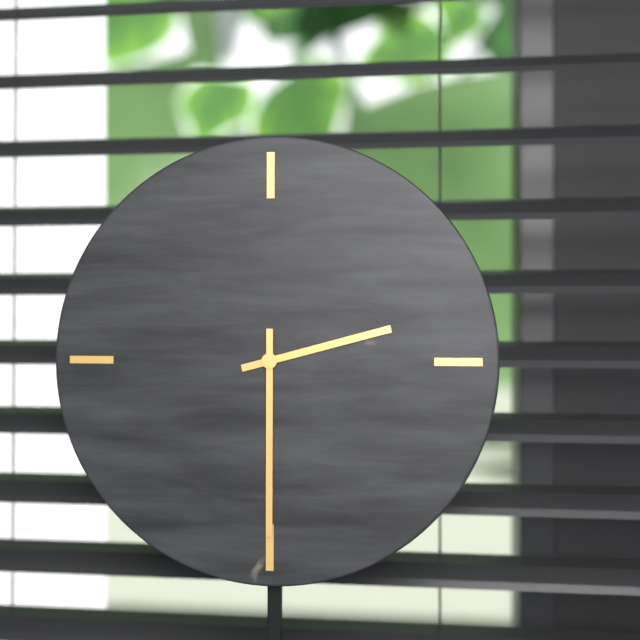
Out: {"hour": 2, "minute": 30}
